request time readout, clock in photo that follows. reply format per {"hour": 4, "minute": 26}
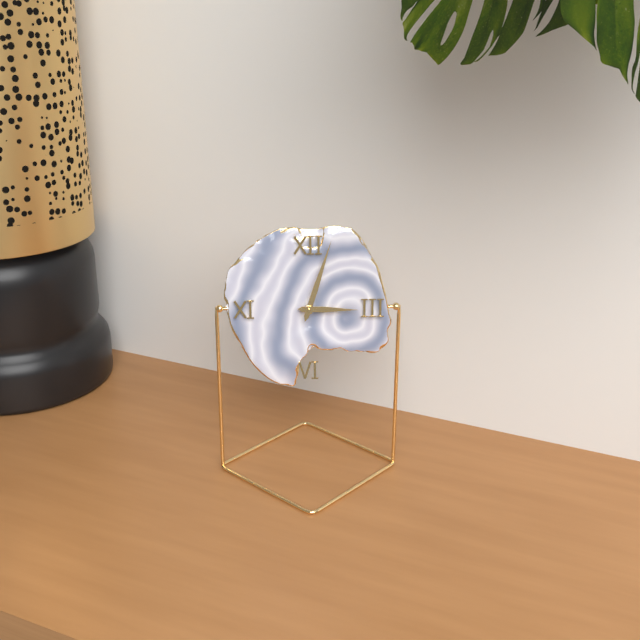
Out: {"hour": 3, "minute": 3}
